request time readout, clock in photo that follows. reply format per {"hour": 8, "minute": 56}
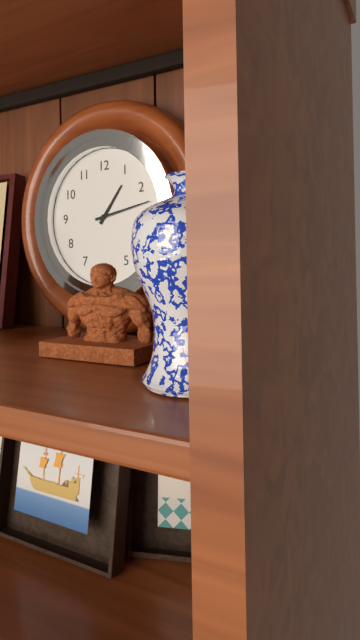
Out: {"hour": 1, "minute": 13}
